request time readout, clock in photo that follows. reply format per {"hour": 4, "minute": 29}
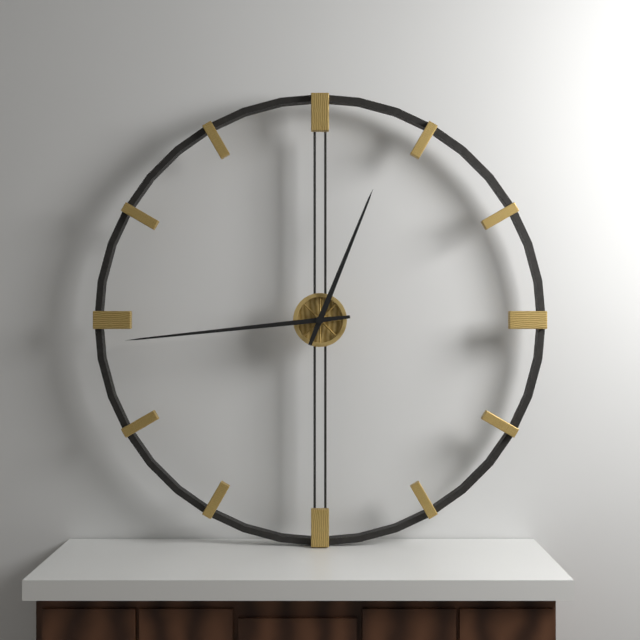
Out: {"hour": 12, "minute": 44}
